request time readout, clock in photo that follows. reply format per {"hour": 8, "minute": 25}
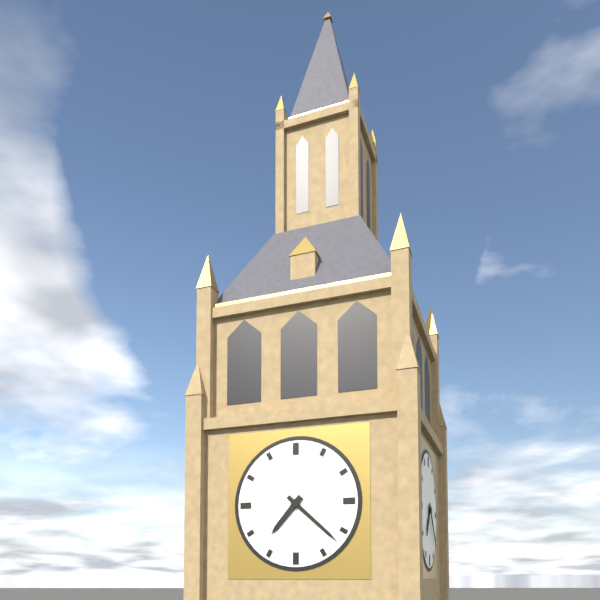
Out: {"hour": 7, "minute": 22}
